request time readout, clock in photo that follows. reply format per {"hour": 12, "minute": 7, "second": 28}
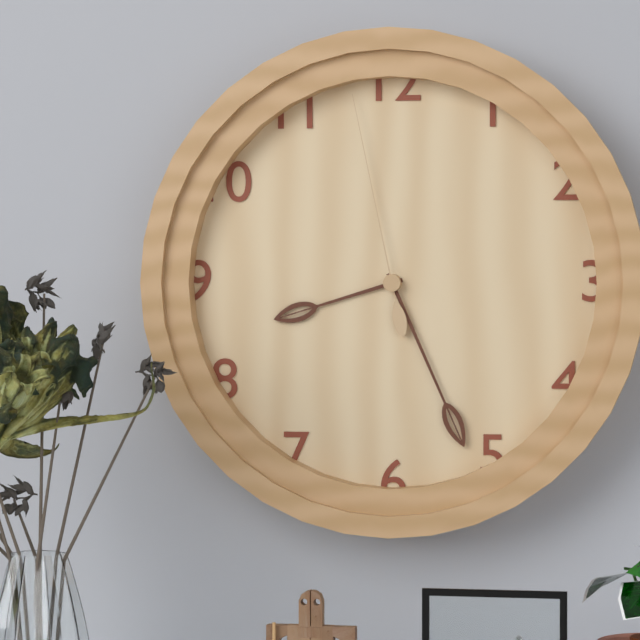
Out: {"hour": 8, "minute": 26, "second": 58}
